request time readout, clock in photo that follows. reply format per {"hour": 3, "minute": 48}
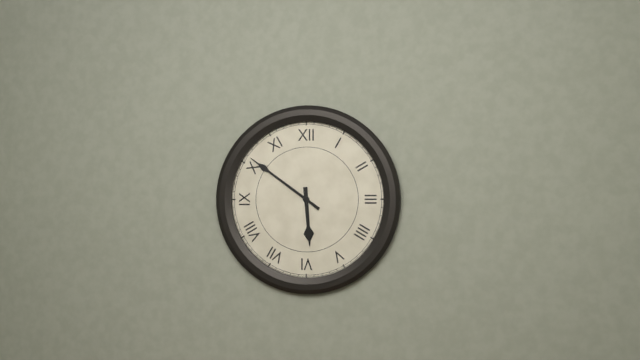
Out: {"hour": 5, "minute": 51}
